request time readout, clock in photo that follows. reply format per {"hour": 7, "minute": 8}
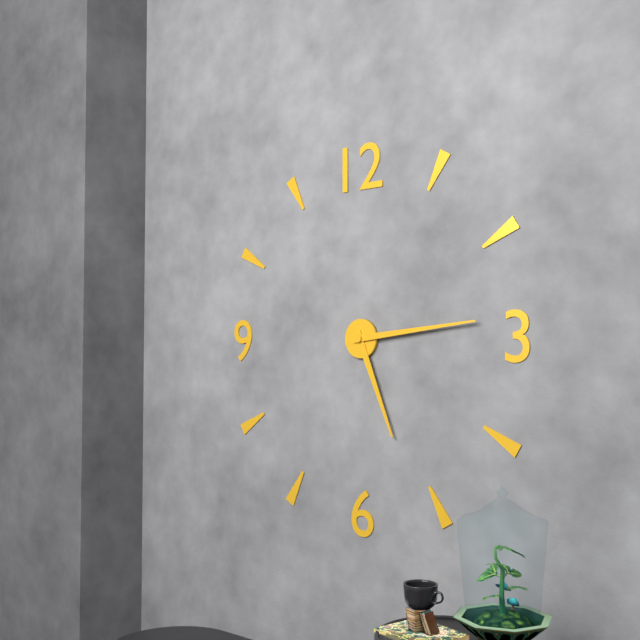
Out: {"hour": 5, "minute": 14}
